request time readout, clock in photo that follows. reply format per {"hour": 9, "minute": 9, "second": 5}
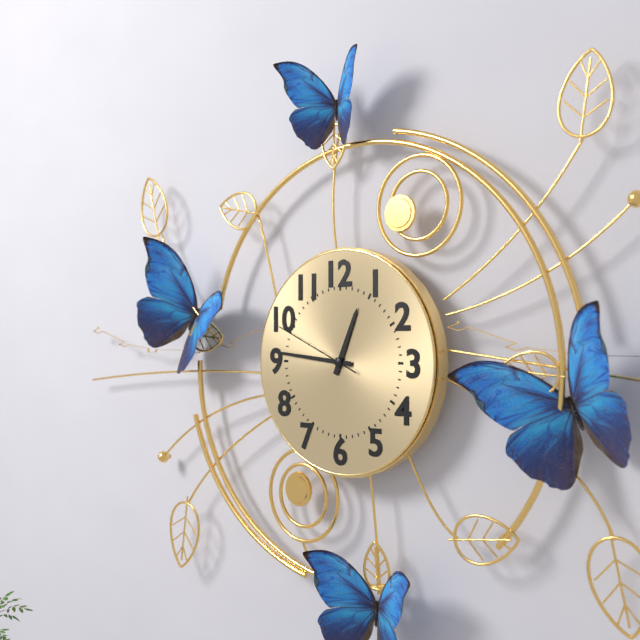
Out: {"hour": 12, "minute": 46, "second": 49}
